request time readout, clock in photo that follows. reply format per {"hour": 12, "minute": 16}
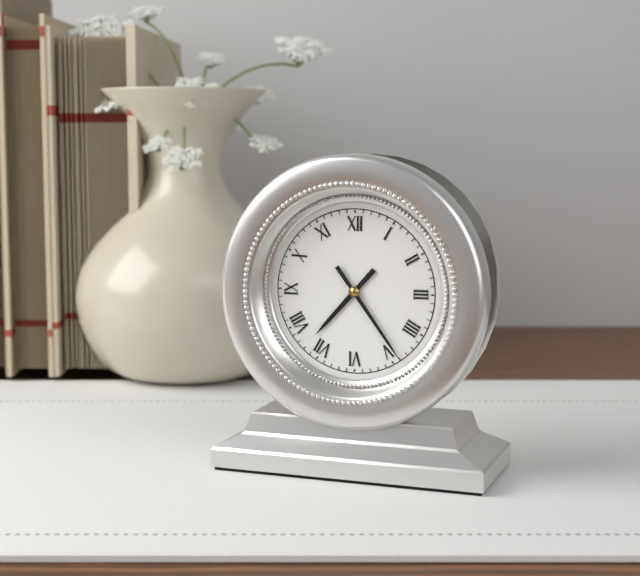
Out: {"hour": 7, "minute": 24}
